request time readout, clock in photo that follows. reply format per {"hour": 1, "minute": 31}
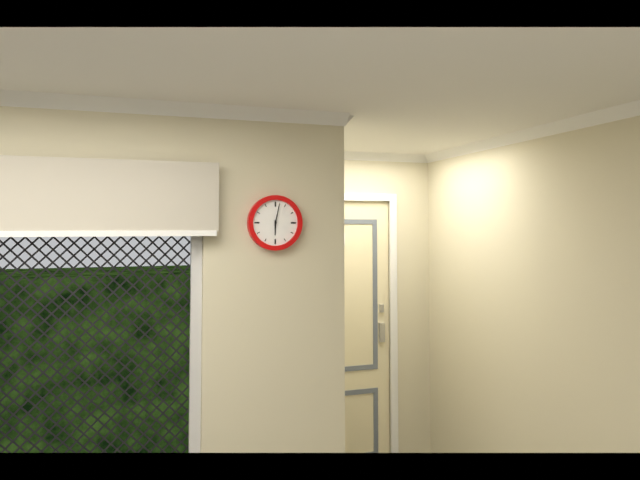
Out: {"hour": 6, "minute": 2}
